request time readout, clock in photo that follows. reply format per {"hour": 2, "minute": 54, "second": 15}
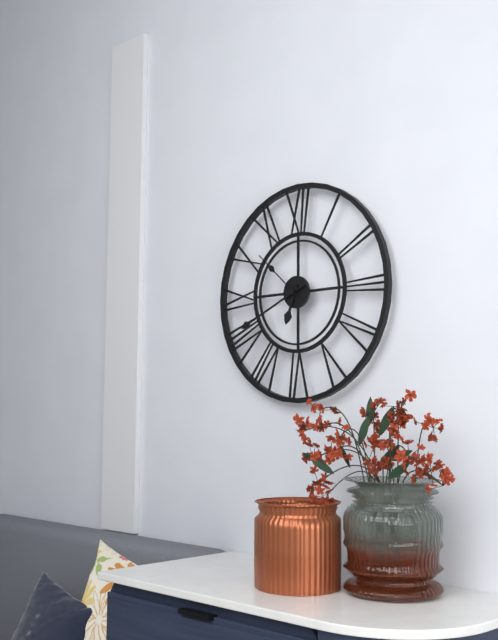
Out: {"hour": 6, "minute": 41, "second": 52}
